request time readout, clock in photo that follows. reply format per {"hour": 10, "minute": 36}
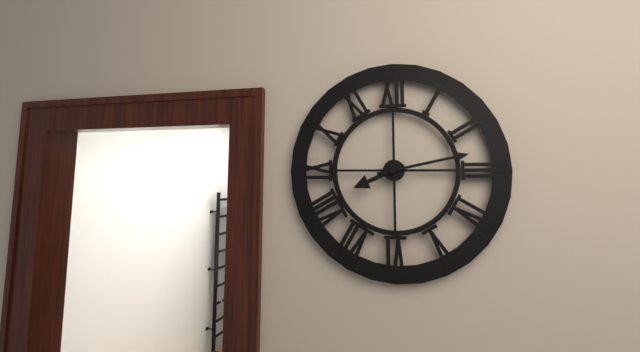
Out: {"hour": 8, "minute": 13}
